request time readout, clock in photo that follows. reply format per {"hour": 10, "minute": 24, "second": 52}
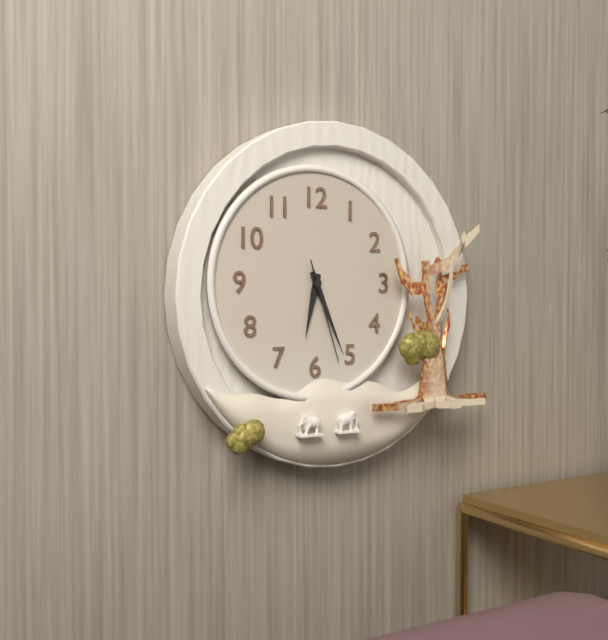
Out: {"hour": 6, "minute": 26, "second": 27}
